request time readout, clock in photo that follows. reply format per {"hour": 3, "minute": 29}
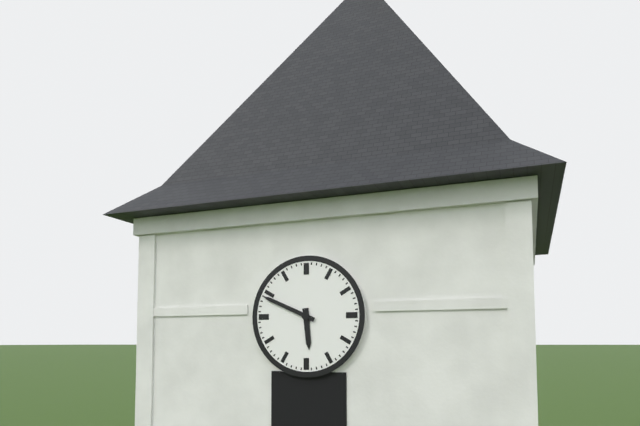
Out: {"hour": 5, "minute": 49}
